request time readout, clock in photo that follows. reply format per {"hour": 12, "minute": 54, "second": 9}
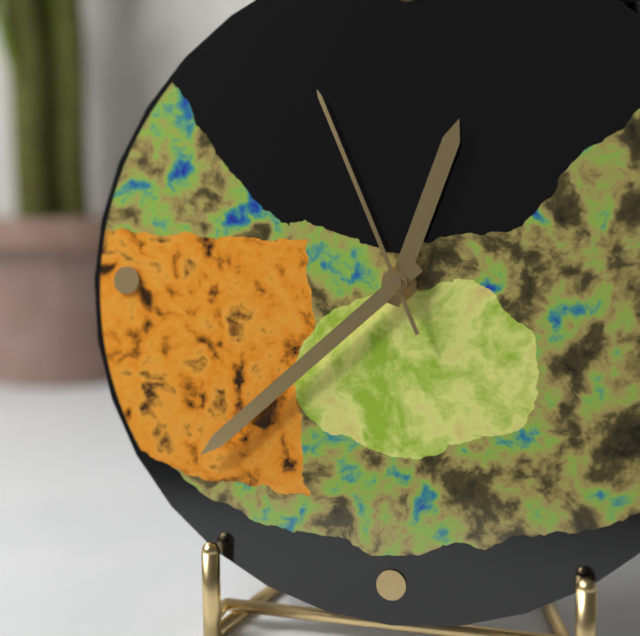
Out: {"hour": 12, "minute": 38, "second": 56}
